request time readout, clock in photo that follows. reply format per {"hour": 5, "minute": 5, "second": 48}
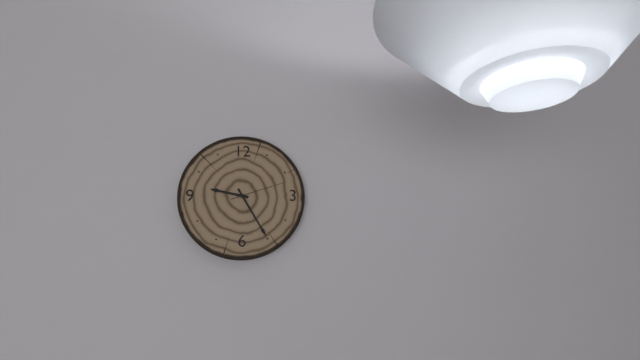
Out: {"hour": 9, "minute": 25, "second": 12}
